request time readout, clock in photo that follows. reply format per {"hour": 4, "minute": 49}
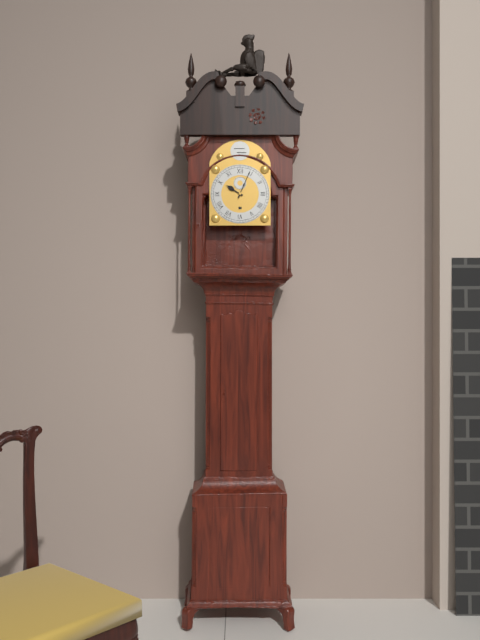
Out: {"hour": 10, "minute": 4}
